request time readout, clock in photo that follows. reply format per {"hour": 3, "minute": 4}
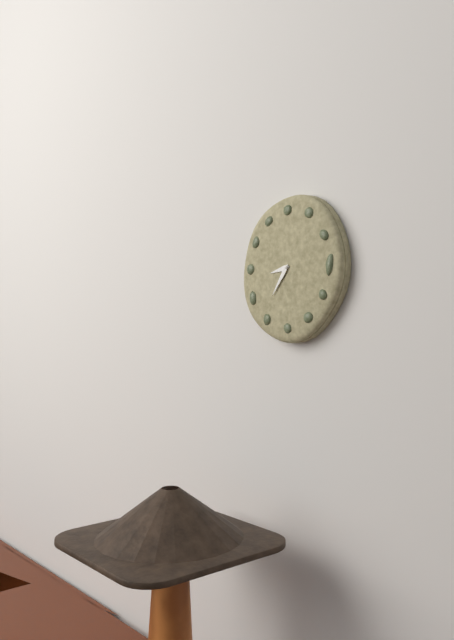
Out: {"hour": 8, "minute": 36}
